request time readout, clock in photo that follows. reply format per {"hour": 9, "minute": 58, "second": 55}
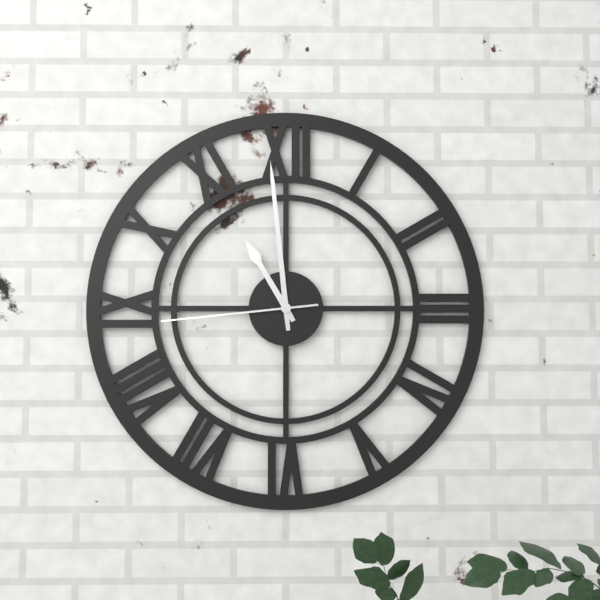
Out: {"hour": 10, "minute": 59, "second": 44}
